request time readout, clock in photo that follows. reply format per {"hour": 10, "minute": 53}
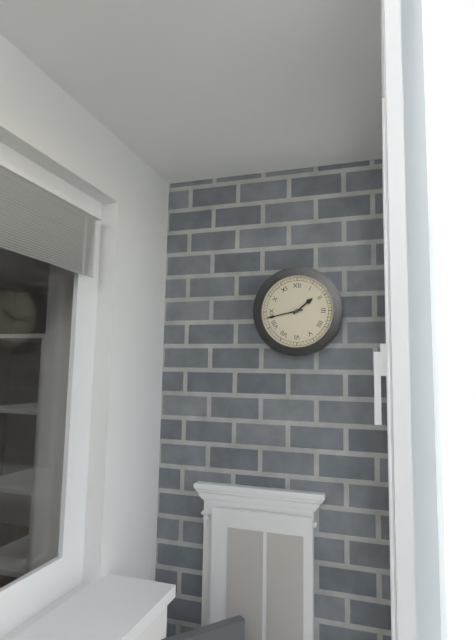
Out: {"hour": 1, "minute": 43}
